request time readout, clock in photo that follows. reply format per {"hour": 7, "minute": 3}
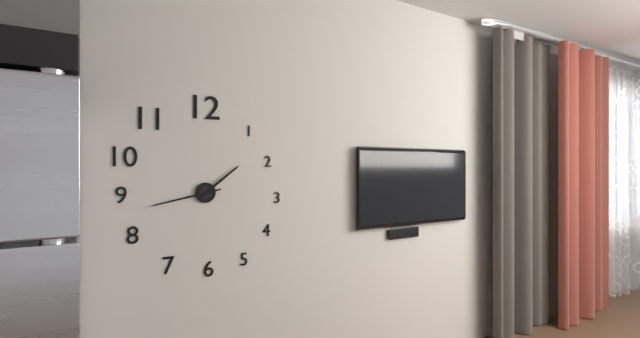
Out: {"hour": 1, "minute": 43}
